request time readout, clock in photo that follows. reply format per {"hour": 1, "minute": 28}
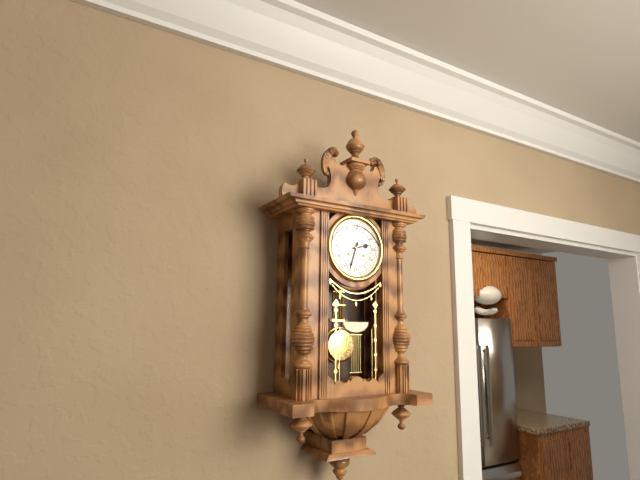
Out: {"hour": 2, "minute": 33}
